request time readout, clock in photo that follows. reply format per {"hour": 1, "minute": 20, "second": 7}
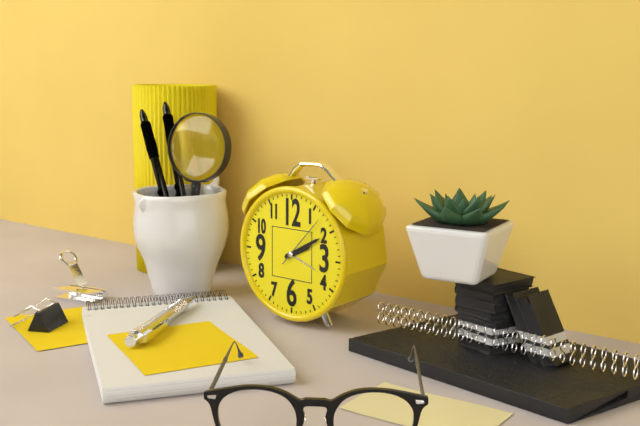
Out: {"hour": 2, "minute": 10, "second": 7}
